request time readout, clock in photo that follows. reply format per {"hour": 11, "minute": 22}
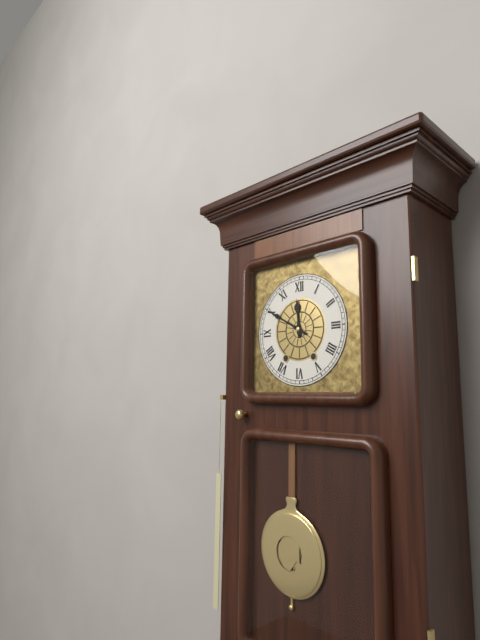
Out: {"hour": 11, "minute": 50}
